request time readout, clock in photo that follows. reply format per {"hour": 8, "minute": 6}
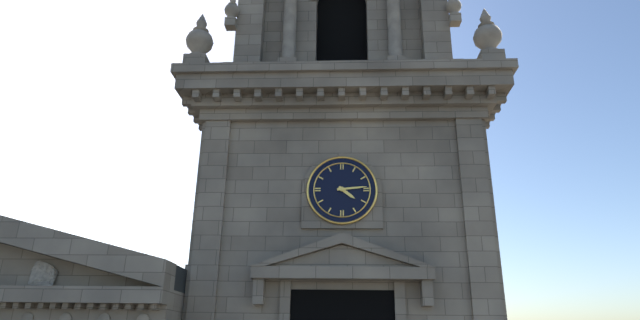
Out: {"hour": 4, "minute": 14}
